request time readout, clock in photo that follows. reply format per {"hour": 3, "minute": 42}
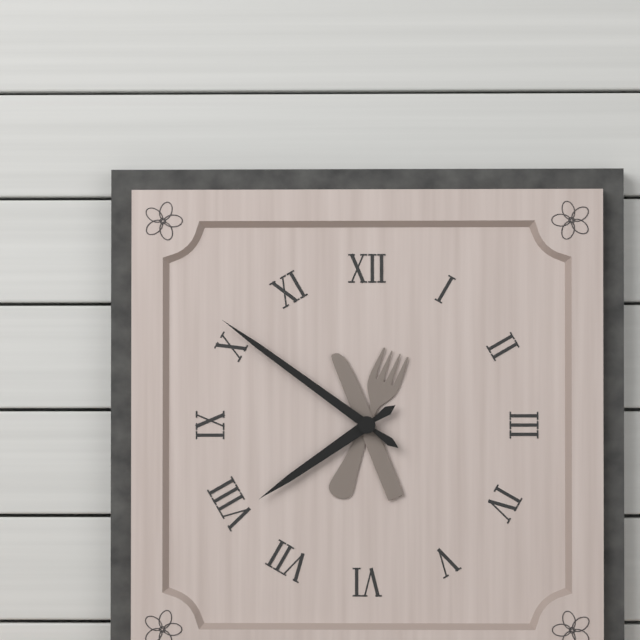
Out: {"hour": 7, "minute": 51}
